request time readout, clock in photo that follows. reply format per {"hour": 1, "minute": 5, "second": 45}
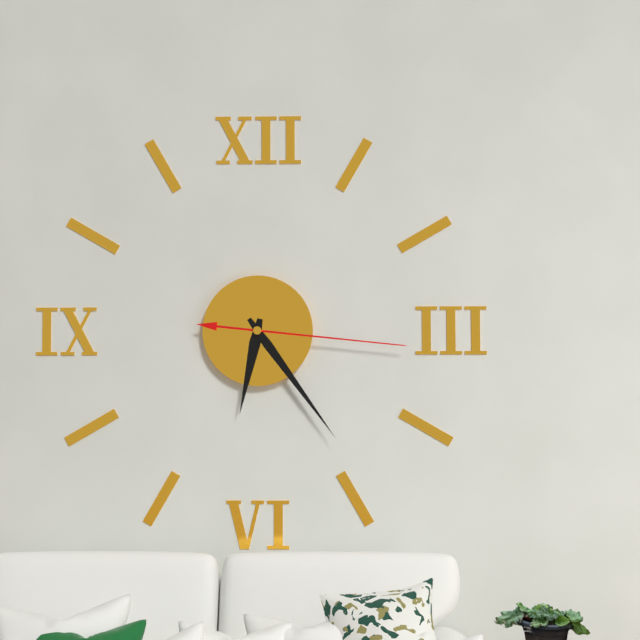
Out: {"hour": 6, "minute": 24, "second": 16}
